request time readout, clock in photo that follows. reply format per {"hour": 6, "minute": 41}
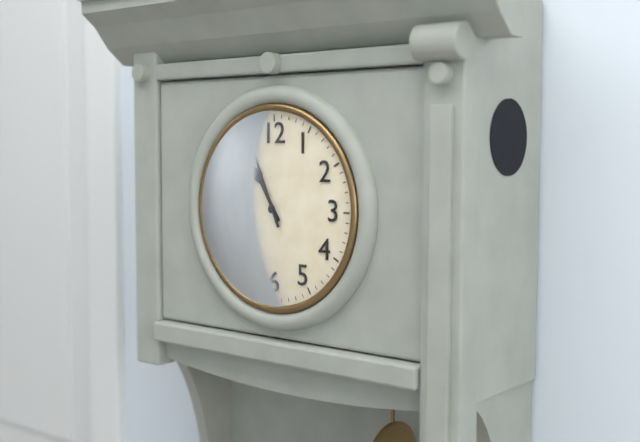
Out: {"hour": 10, "minute": 56}
